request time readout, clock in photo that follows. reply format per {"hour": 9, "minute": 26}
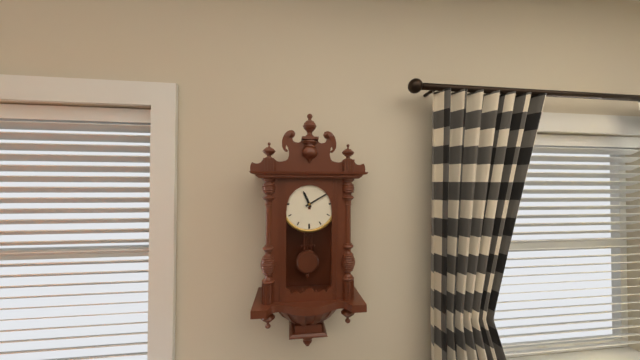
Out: {"hour": 11, "minute": 10}
